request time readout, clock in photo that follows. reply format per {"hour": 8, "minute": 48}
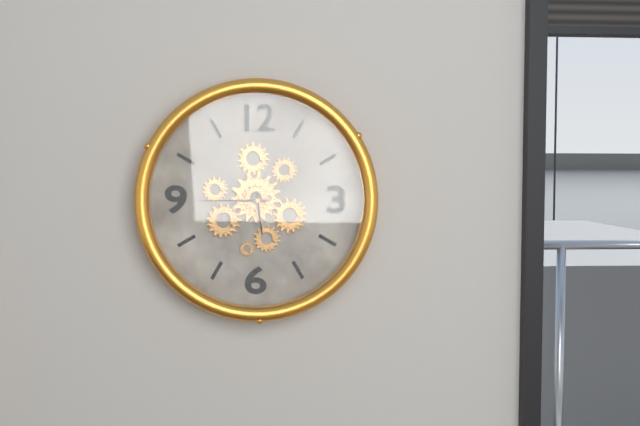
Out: {"hour": 5, "minute": 45}
